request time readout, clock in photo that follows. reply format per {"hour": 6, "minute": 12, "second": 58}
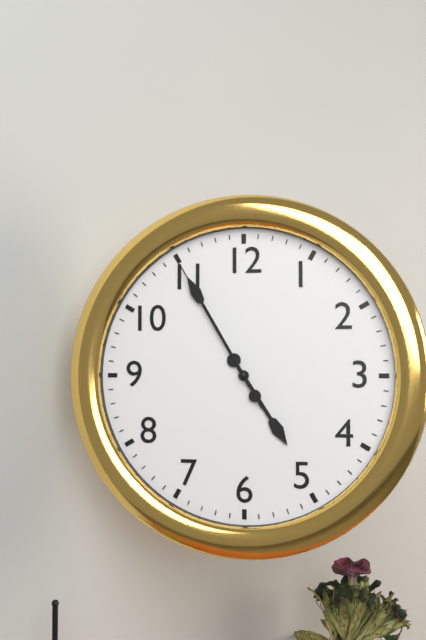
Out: {"hour": 4, "minute": 55, "second": 55}
